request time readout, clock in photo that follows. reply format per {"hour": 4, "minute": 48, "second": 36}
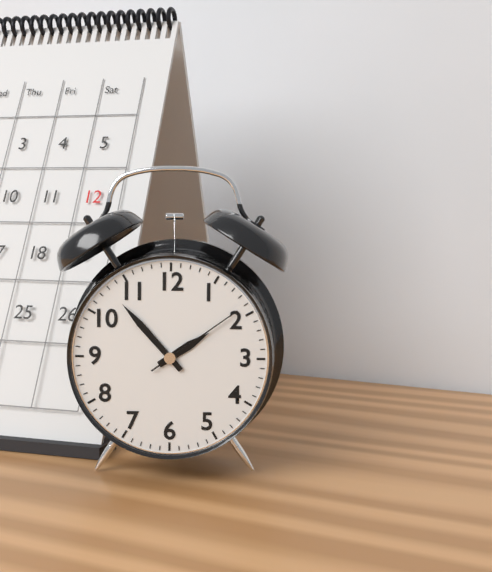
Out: {"hour": 1, "minute": 53, "second": 9}
